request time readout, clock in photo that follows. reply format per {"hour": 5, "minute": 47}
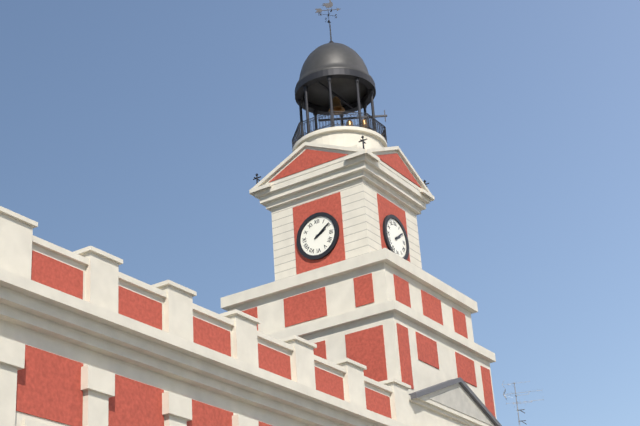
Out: {"hour": 2, "minute": 9}
